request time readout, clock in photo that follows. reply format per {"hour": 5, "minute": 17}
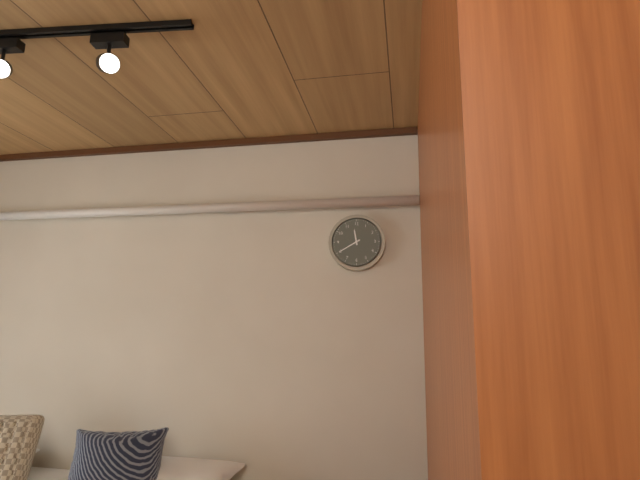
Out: {"hour": 11, "minute": 40}
